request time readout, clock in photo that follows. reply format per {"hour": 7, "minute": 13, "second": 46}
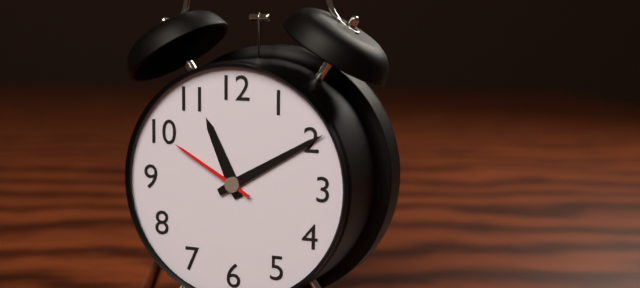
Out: {"hour": 11, "minute": 10, "second": 50}
